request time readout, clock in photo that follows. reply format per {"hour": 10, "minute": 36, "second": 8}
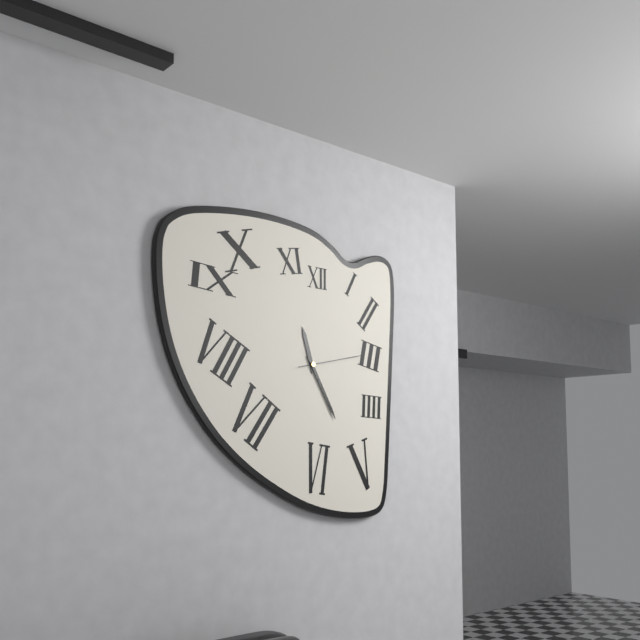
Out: {"hour": 11, "minute": 25, "second": 13}
